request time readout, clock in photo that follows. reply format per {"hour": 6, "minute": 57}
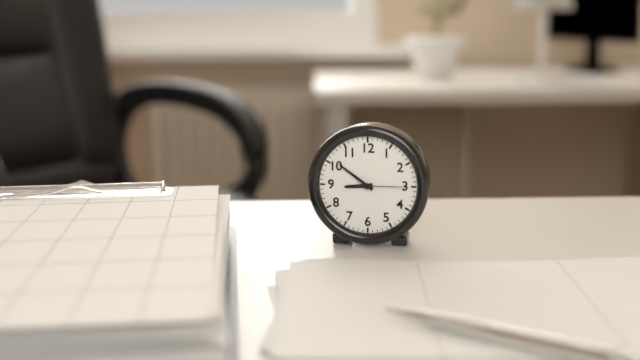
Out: {"hour": 8, "minute": 51}
